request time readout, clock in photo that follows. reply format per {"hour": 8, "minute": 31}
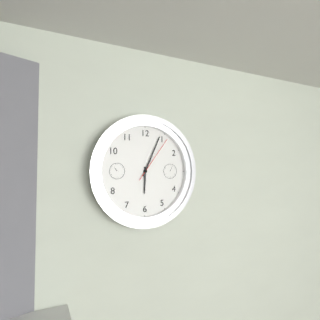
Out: {"hour": 6, "minute": 4}
